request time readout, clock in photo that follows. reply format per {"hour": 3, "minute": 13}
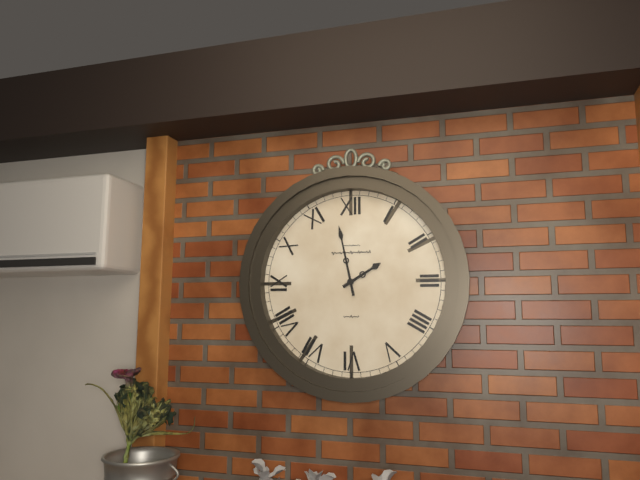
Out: {"hour": 1, "minute": 58}
